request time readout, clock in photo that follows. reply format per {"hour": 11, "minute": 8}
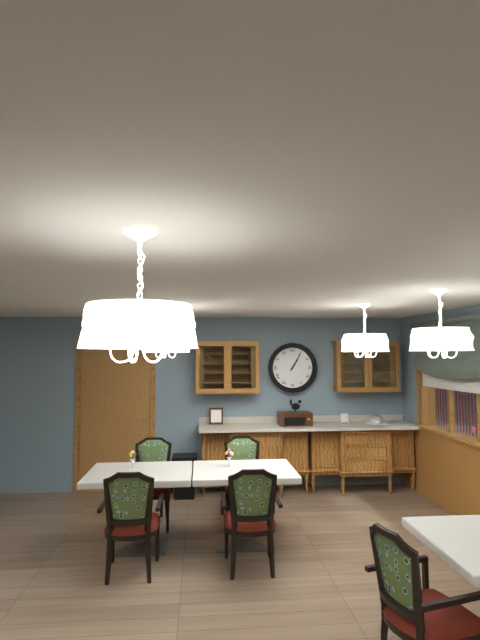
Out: {"hour": 1, "minute": 5}
